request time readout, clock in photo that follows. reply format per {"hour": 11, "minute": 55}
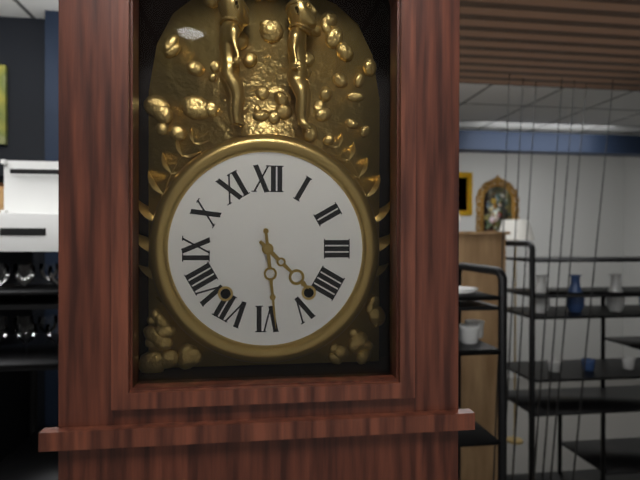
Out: {"hour": 4, "minute": 29}
